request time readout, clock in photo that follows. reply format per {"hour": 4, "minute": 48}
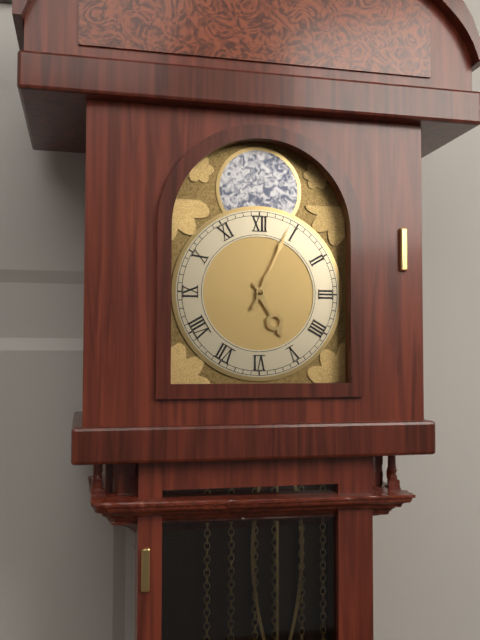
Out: {"hour": 5, "minute": 4}
